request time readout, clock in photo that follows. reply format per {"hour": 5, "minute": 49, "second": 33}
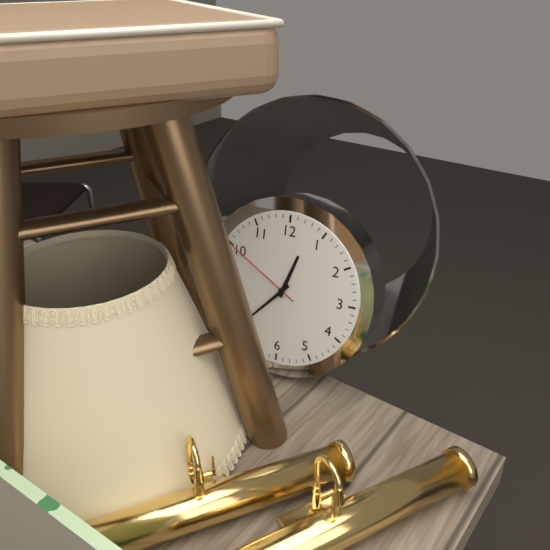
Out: {"hour": 12, "minute": 37, "second": 50}
